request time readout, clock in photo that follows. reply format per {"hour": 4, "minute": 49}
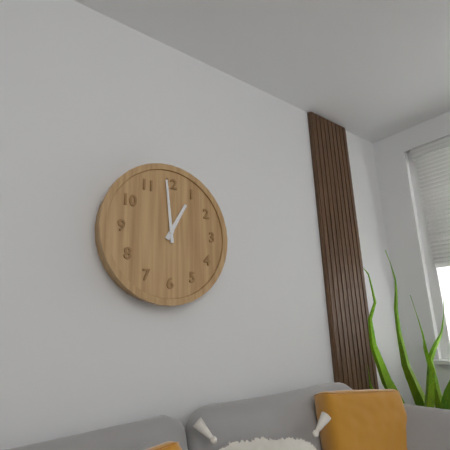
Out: {"hour": 12, "minute": 59}
